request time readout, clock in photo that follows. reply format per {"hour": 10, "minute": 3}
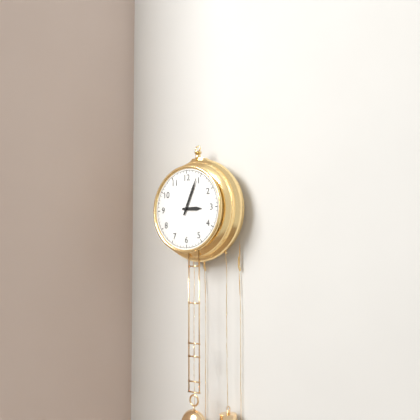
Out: {"hour": 3, "minute": 4}
